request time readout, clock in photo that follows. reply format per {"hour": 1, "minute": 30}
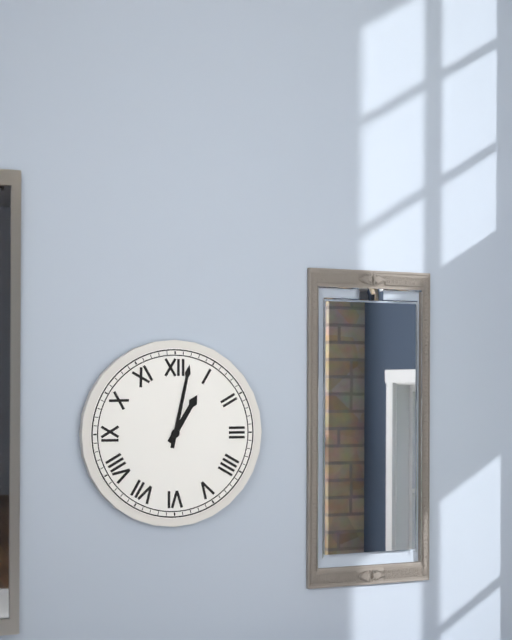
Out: {"hour": 1, "minute": 2}
